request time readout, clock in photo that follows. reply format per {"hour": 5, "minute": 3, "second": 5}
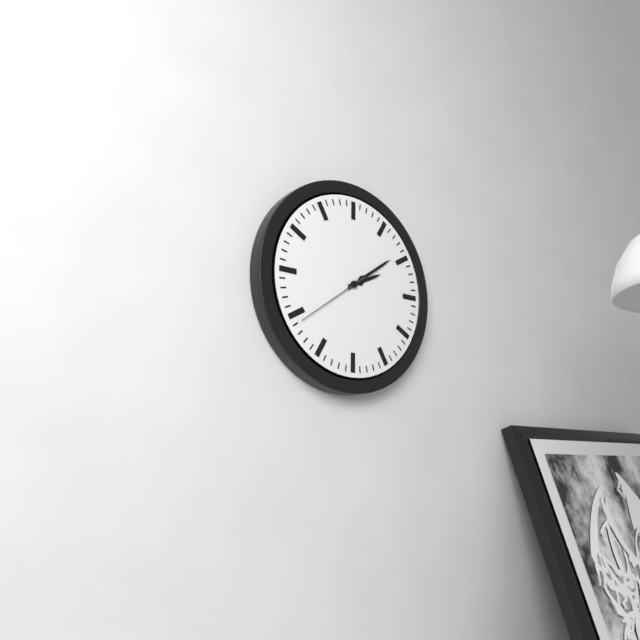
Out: {"hour": 2, "minute": 9, "second": 39}
